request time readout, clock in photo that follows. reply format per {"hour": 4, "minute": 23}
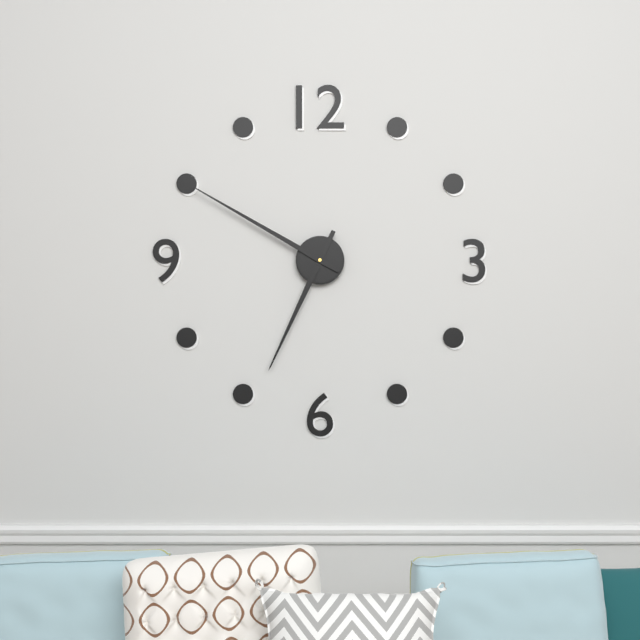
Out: {"hour": 6, "minute": 50}
